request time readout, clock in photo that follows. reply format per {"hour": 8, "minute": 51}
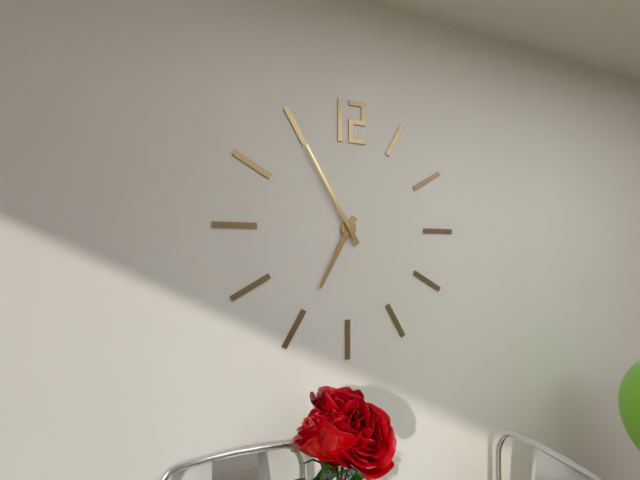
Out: {"hour": 6, "minute": 55}
